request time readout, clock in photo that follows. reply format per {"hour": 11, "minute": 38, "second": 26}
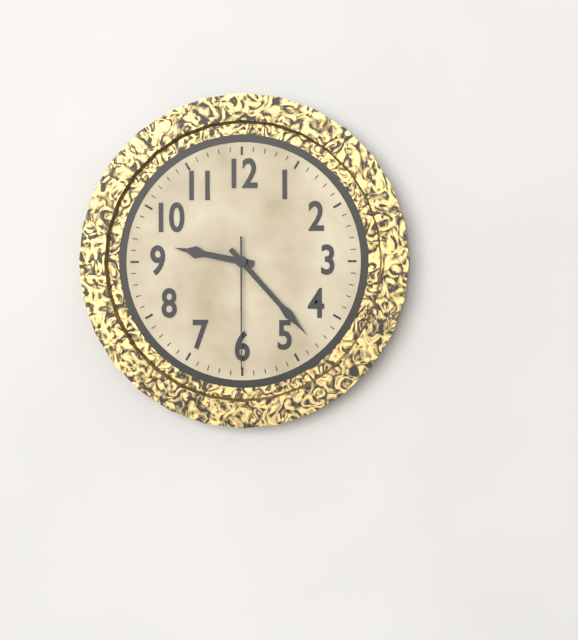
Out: {"hour": 9, "minute": 23, "second": 30}
